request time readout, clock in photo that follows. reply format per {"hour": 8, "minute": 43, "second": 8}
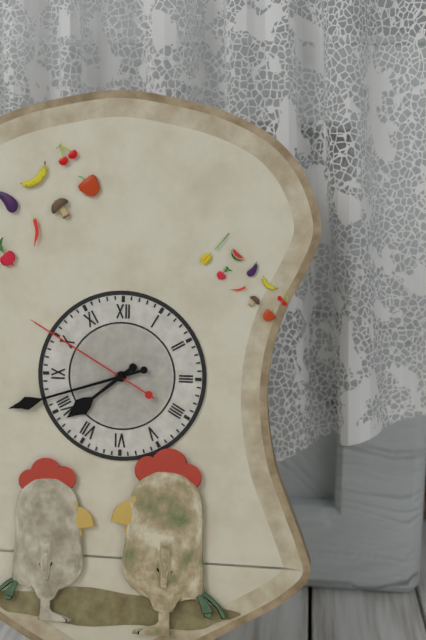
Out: {"hour": 7, "minute": 42, "second": 50}
